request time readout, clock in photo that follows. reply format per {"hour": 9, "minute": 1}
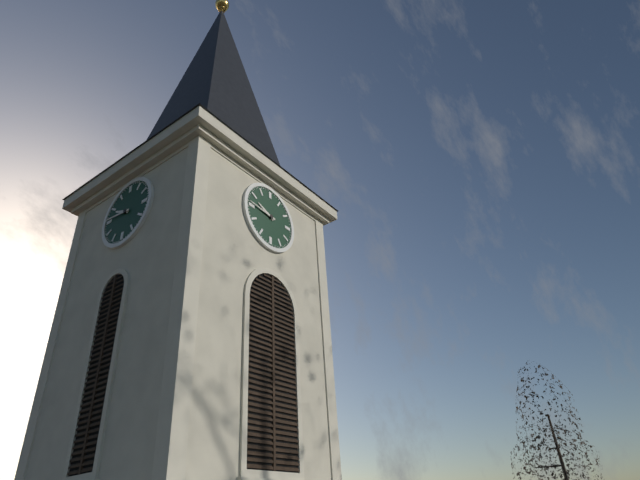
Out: {"hour": 9, "minute": 46}
